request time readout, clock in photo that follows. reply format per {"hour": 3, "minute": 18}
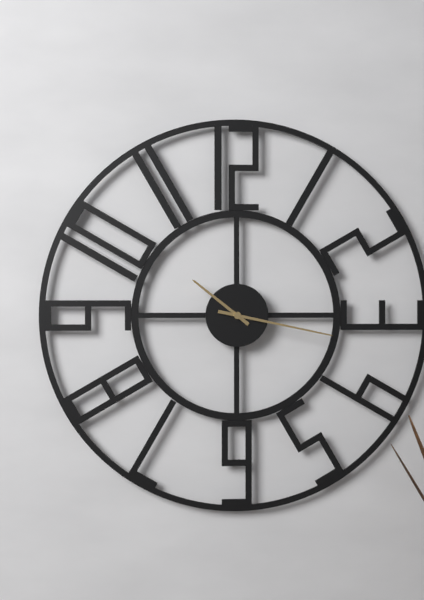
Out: {"hour": 10, "minute": 17}
